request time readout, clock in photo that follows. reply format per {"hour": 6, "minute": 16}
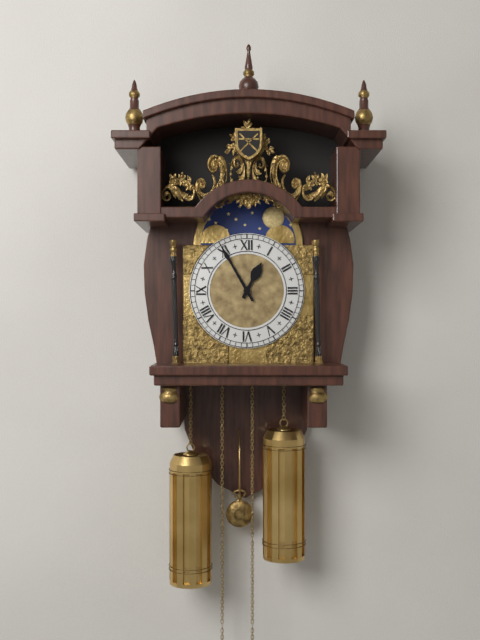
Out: {"hour": 12, "minute": 55}
